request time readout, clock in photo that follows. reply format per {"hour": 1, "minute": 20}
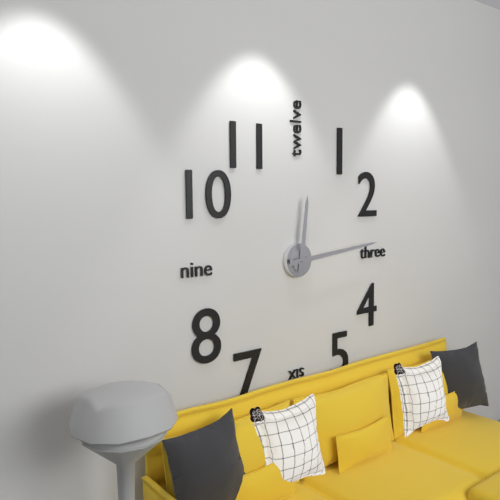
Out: {"hour": 12, "minute": 14}
